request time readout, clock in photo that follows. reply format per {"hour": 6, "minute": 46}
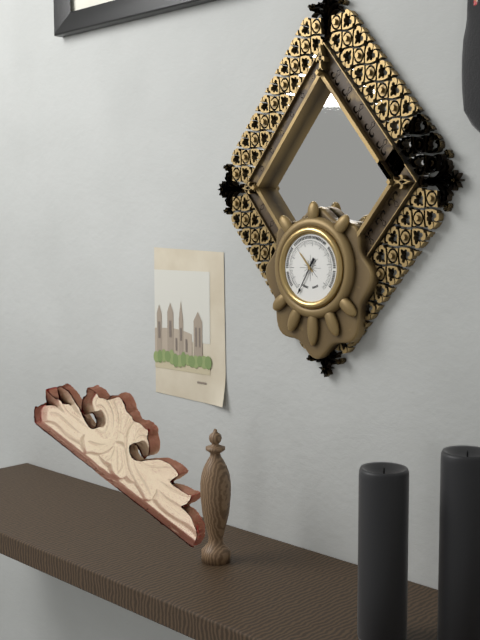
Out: {"hour": 10, "minute": 35}
